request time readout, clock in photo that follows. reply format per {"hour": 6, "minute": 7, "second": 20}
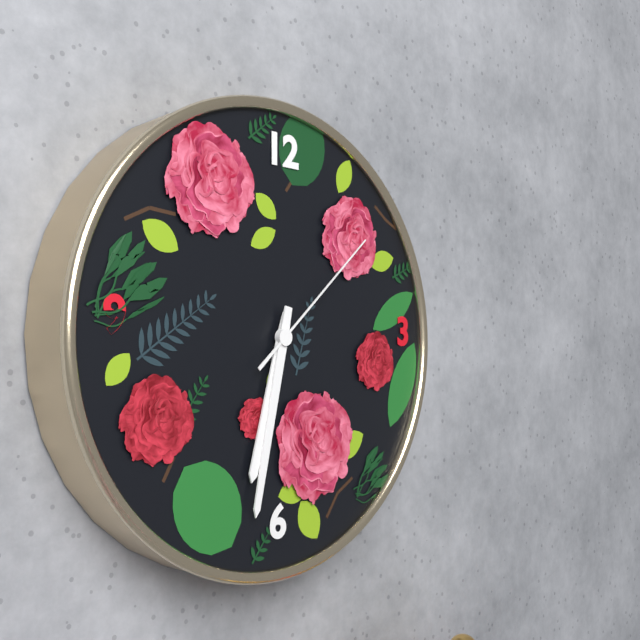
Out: {"hour": 6, "minute": 32, "second": 8}
